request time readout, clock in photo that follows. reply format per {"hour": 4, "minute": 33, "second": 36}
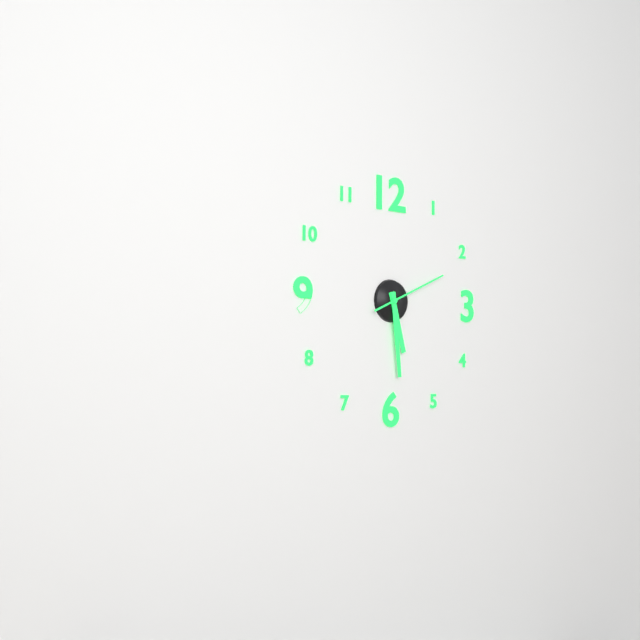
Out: {"hour": 5, "minute": 29, "second": 11}
